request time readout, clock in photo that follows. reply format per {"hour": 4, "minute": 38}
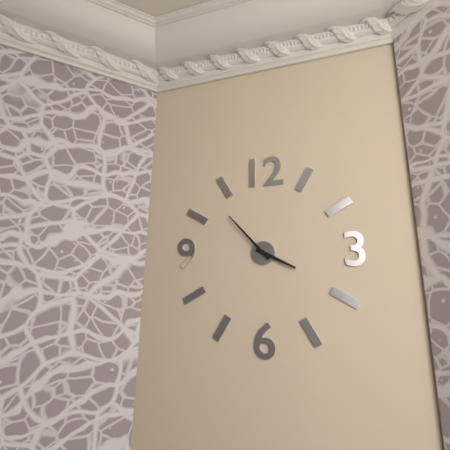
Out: {"hour": 3, "minute": 53}
